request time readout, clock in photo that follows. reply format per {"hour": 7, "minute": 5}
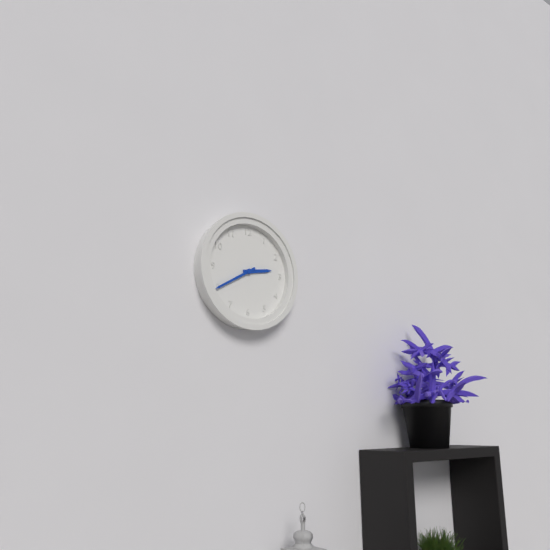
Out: {"hour": 2, "minute": 40}
